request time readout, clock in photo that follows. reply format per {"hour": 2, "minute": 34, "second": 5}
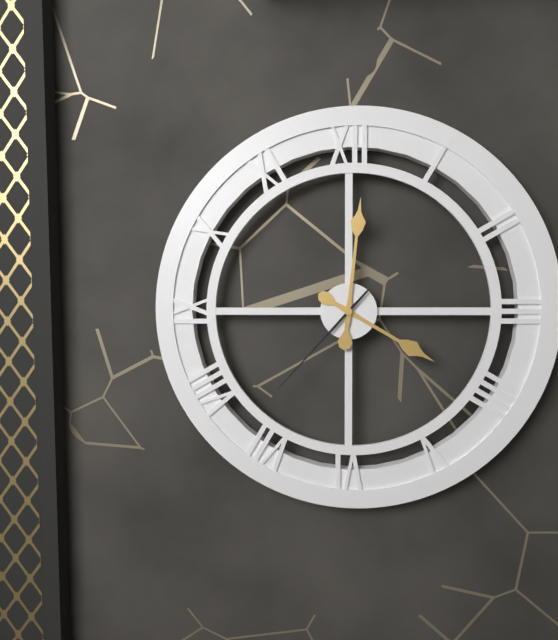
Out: {"hour": 4, "minute": 1, "second": 37}
